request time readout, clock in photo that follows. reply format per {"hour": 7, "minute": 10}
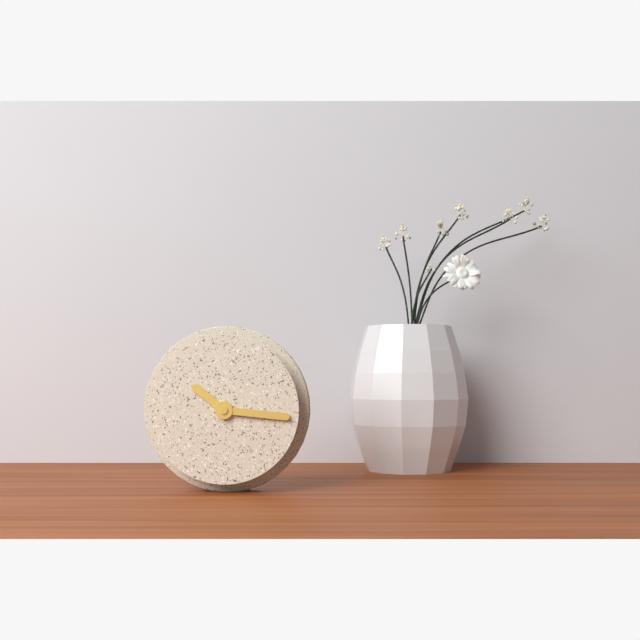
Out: {"hour": 10, "minute": 16}
